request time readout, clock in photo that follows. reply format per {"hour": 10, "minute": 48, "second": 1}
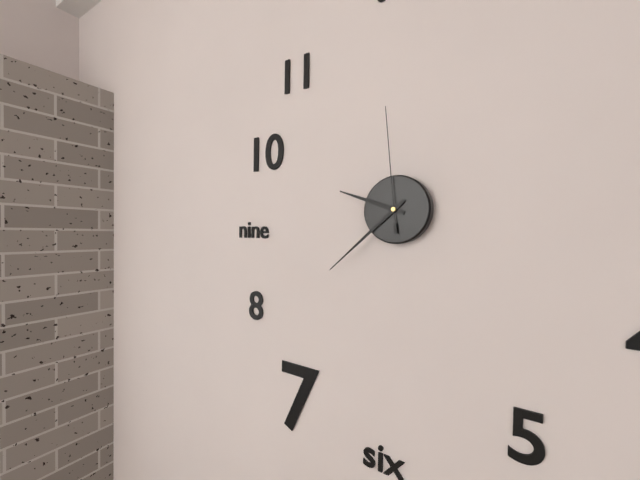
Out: {"hour": 9, "minute": 38, "second": 59}
